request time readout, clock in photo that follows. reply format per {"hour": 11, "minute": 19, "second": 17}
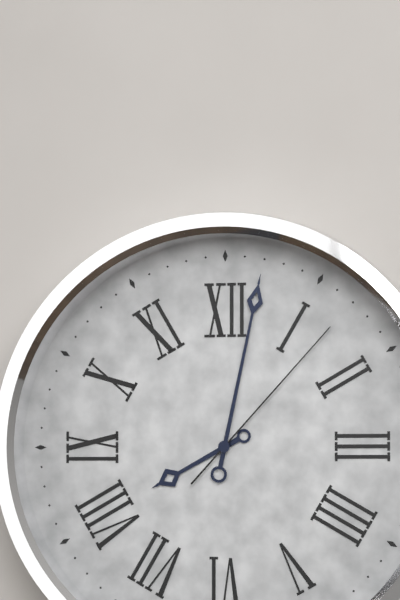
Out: {"hour": 8, "minute": 2, "second": 7}
